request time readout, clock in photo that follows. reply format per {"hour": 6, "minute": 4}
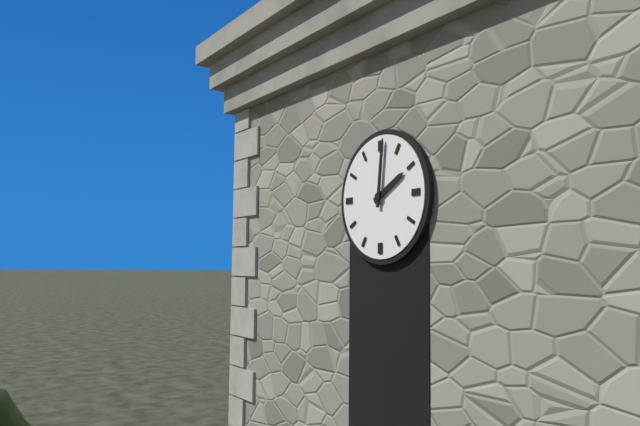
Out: {"hour": 2, "minute": 1}
